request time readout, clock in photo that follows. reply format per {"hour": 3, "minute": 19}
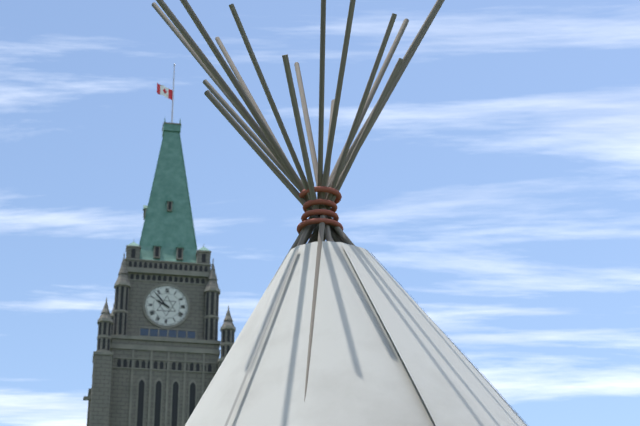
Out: {"hour": 9, "minute": 53}
